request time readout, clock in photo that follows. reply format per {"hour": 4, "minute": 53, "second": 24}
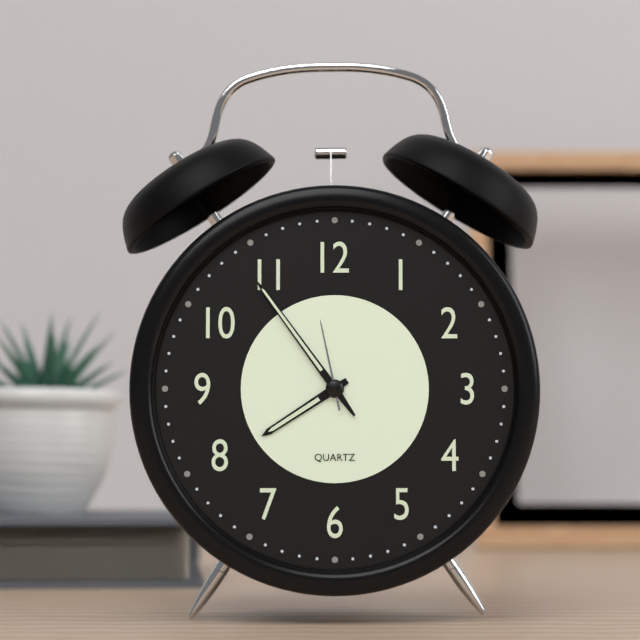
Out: {"hour": 7, "minute": 54, "second": 58}
